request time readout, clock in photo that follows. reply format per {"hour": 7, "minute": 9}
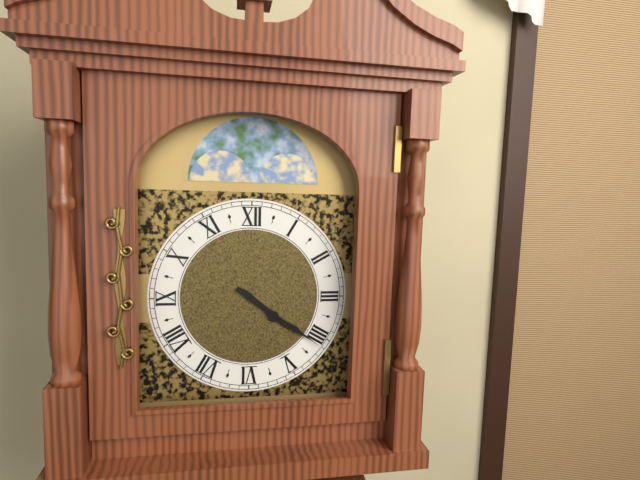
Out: {"hour": 4, "minute": 21}
